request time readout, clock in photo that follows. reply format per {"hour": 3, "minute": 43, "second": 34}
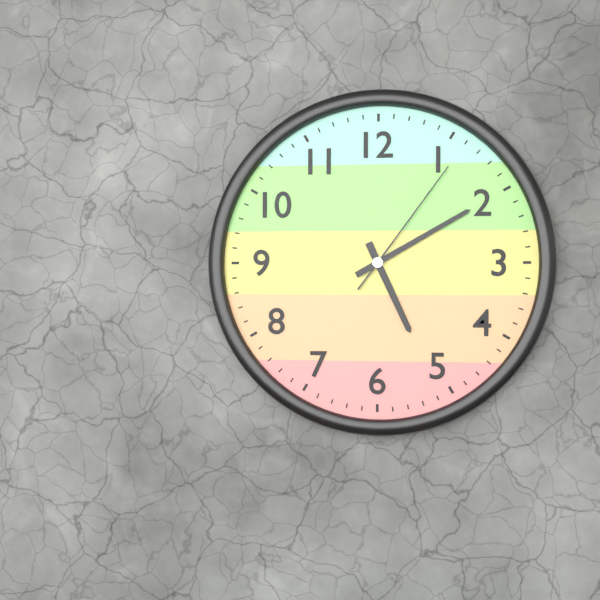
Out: {"hour": 5, "minute": 10, "second": 6}
